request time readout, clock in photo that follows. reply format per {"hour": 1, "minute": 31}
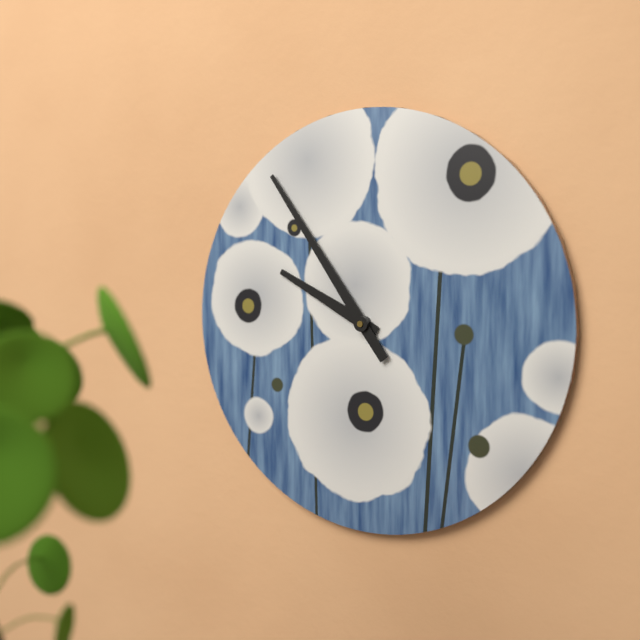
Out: {"hour": 9, "minute": 54}
